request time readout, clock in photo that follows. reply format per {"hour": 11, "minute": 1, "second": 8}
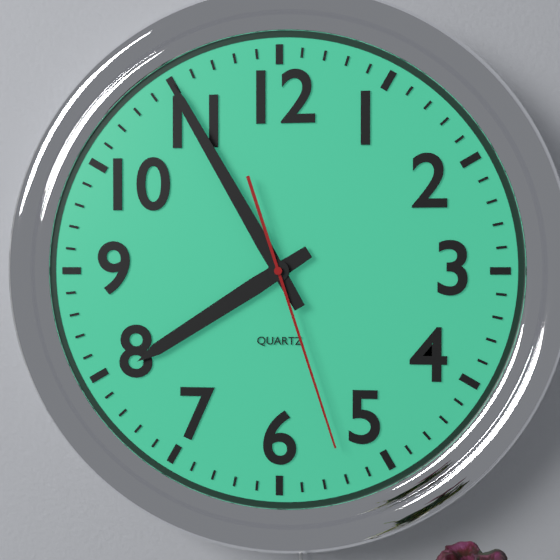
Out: {"hour": 7, "minute": 55, "second": 27}
